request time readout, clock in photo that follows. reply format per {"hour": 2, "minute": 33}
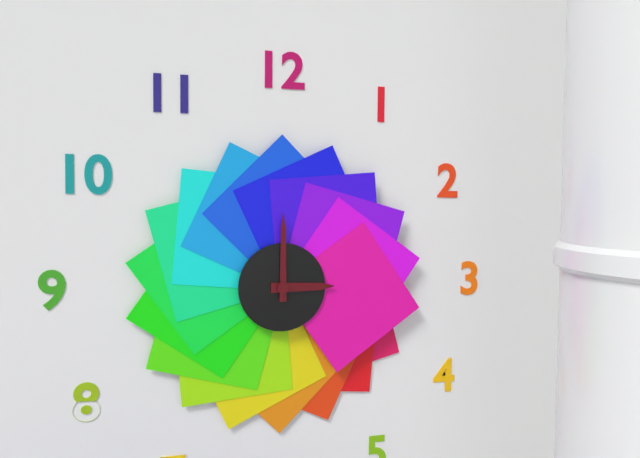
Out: {"hour": 3, "minute": 0}
